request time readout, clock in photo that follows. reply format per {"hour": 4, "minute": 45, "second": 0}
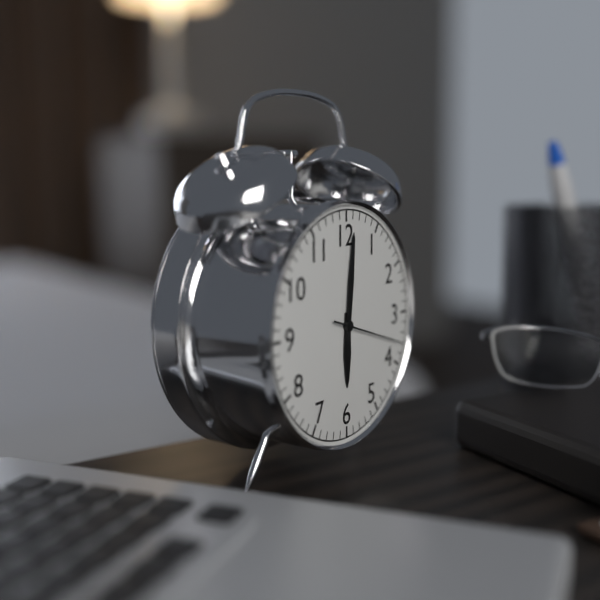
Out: {"hour": 6, "minute": 1, "second": 18}
